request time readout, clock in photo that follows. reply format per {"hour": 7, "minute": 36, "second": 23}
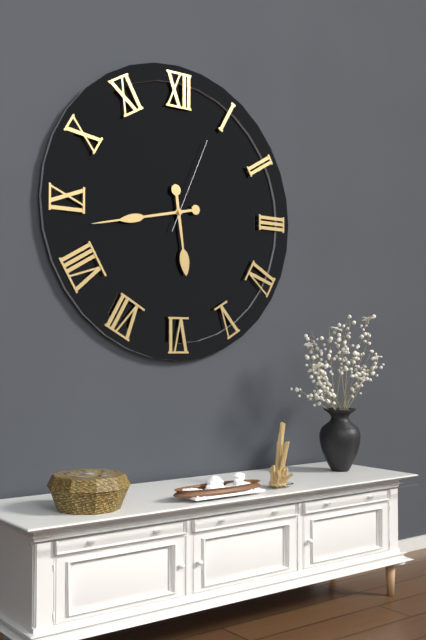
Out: {"hour": 5, "minute": 43, "second": 4}
